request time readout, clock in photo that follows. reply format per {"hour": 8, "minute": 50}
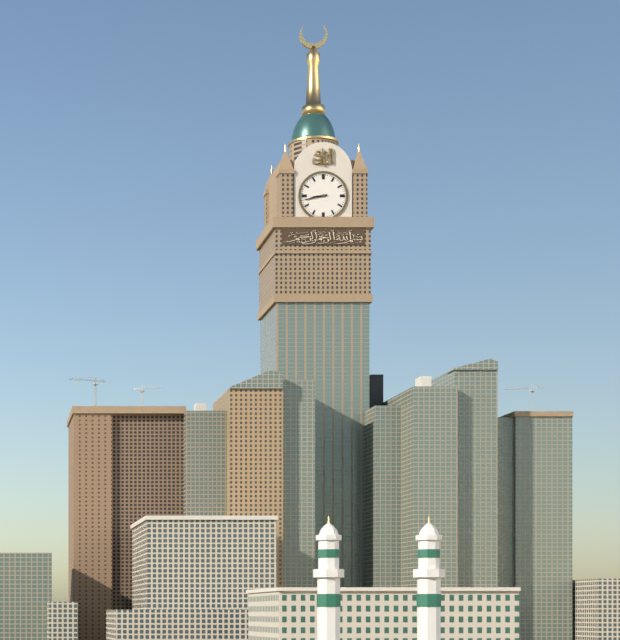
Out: {"hour": 8, "minute": 43}
